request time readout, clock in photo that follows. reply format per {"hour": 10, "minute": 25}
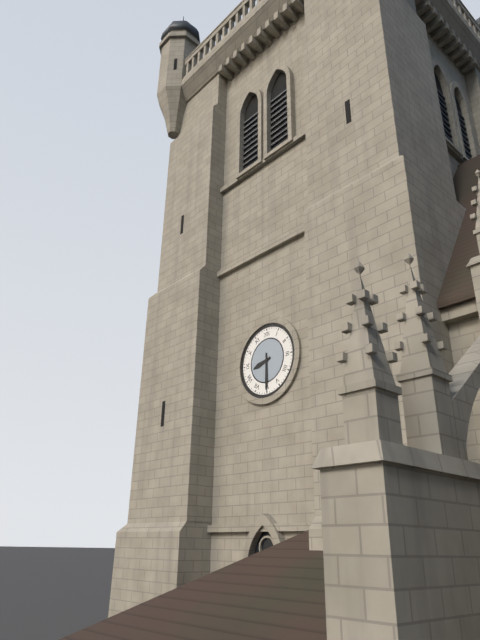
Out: {"hour": 8, "minute": 30}
